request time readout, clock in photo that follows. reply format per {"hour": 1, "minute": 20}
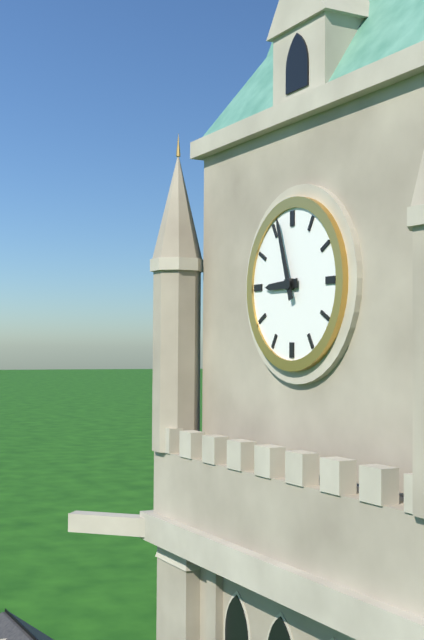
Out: {"hour": 8, "minute": 57}
